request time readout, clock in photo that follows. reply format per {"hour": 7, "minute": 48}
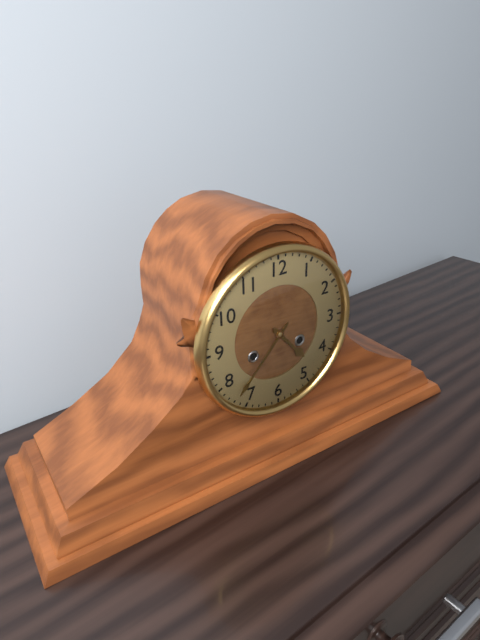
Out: {"hour": 4, "minute": 37}
